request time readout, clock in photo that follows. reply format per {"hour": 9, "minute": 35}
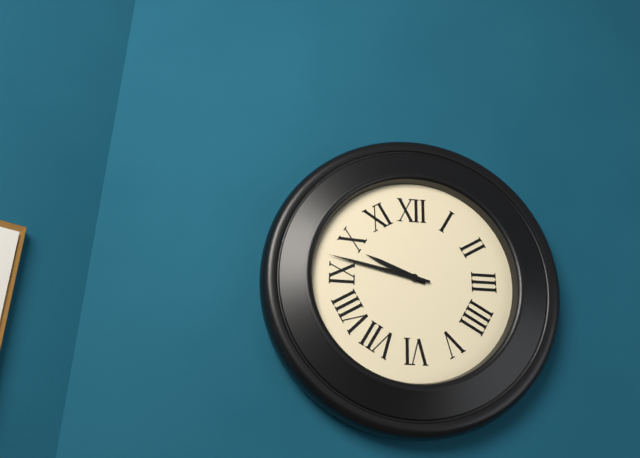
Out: {"hour": 9, "minute": 47}
